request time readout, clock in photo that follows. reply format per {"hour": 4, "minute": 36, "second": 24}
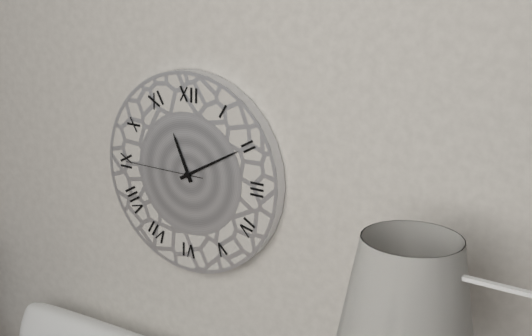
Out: {"hour": 11, "minute": 10, "second": 45}
